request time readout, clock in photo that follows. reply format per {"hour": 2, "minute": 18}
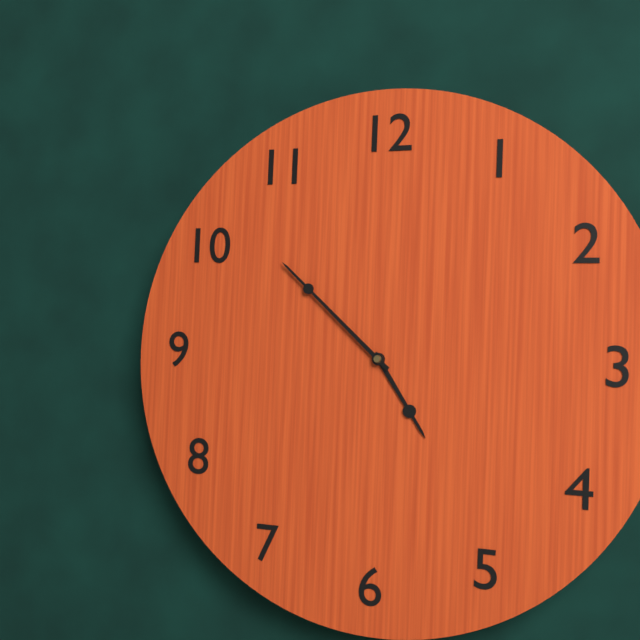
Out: {"hour": 4, "minute": 52}
